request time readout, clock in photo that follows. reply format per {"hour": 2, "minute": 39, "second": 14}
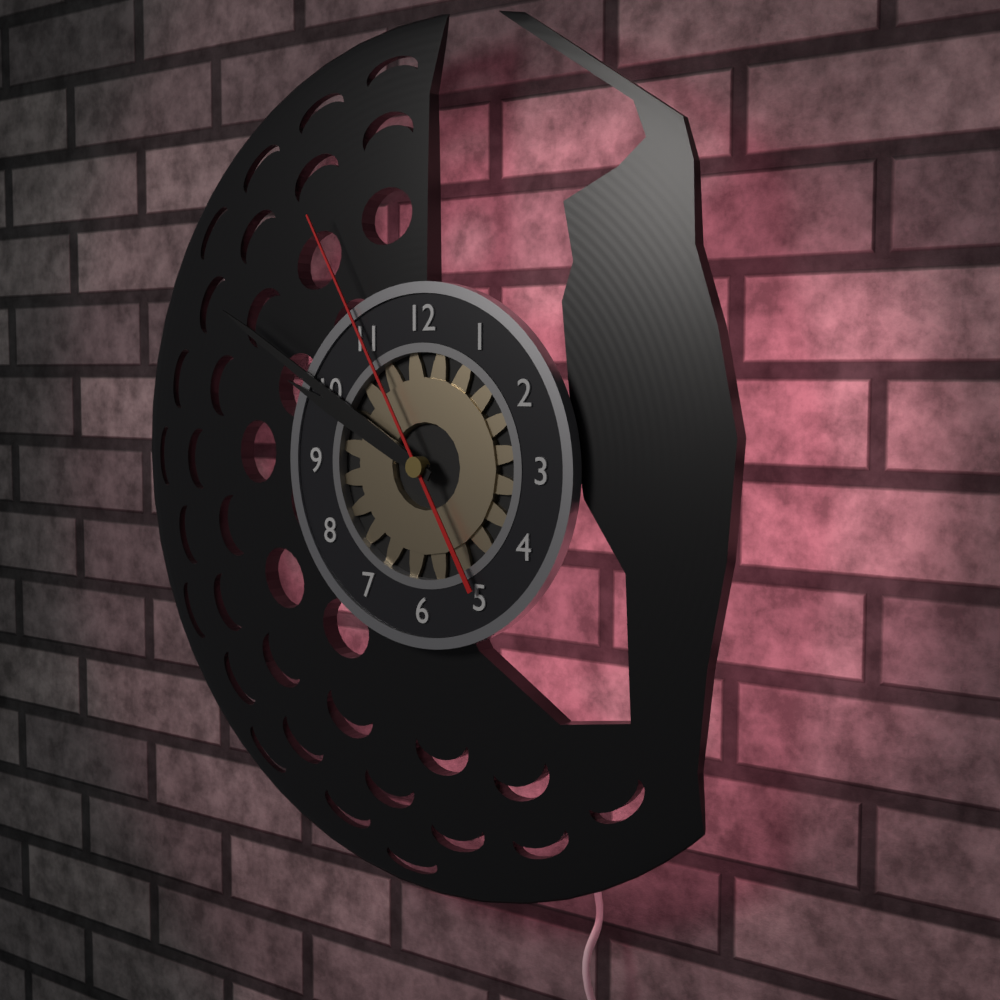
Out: {"hour": 9, "minute": 50, "second": 55}
